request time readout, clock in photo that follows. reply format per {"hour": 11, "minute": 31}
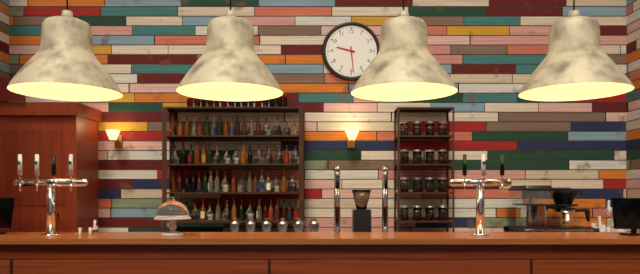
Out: {"hour": 9, "minute": 29}
